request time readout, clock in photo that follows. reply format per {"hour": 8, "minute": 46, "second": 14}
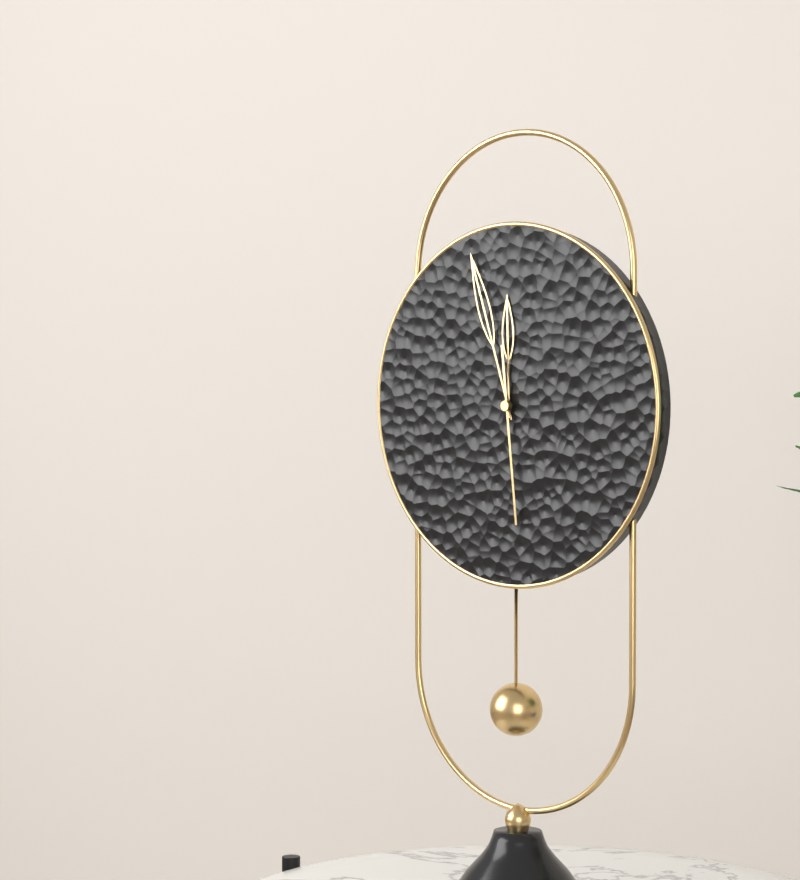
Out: {"hour": 11, "minute": 57, "second": 29}
